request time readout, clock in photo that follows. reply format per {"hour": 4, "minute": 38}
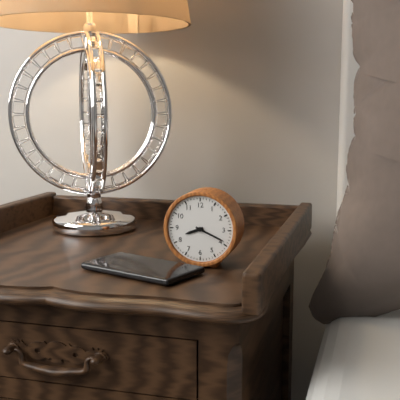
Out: {"hour": 8, "minute": 19}
